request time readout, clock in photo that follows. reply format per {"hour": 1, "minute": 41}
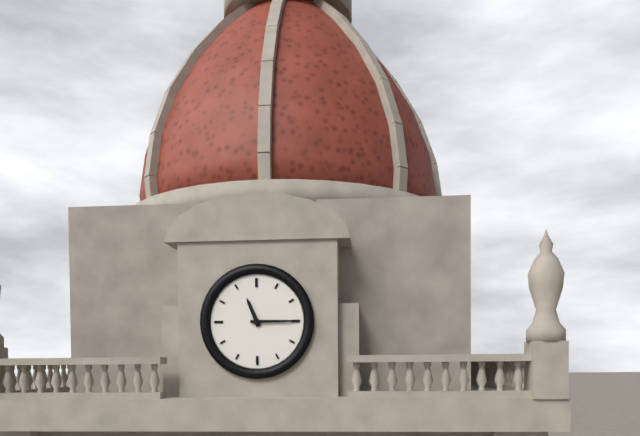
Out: {"hour": 11, "minute": 15}
